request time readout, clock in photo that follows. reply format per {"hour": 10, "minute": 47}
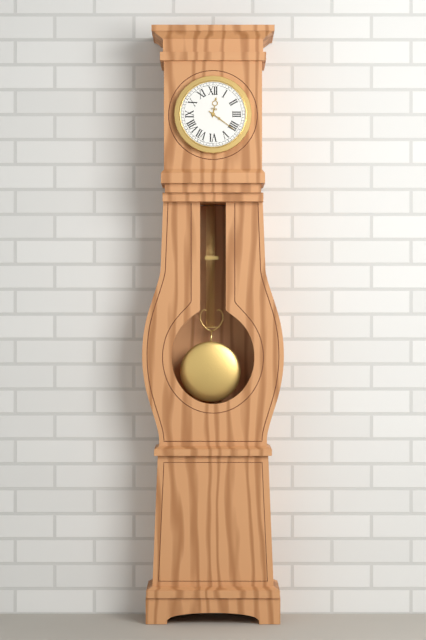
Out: {"hour": 12, "minute": 21}
